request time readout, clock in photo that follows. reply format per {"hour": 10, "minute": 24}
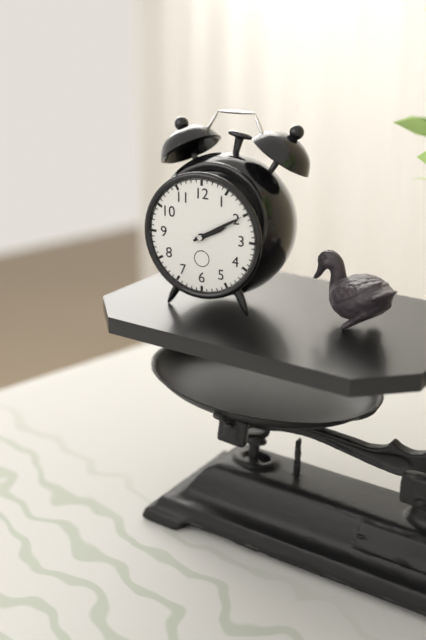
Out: {"hour": 2, "minute": 10}
